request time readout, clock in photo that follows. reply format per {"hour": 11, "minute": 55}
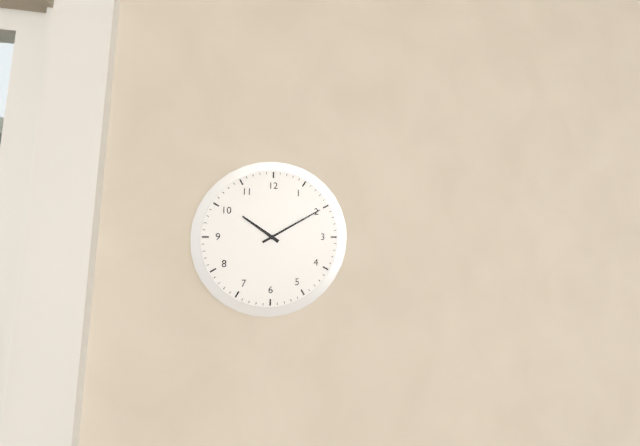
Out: {"hour": 10, "minute": 10}
